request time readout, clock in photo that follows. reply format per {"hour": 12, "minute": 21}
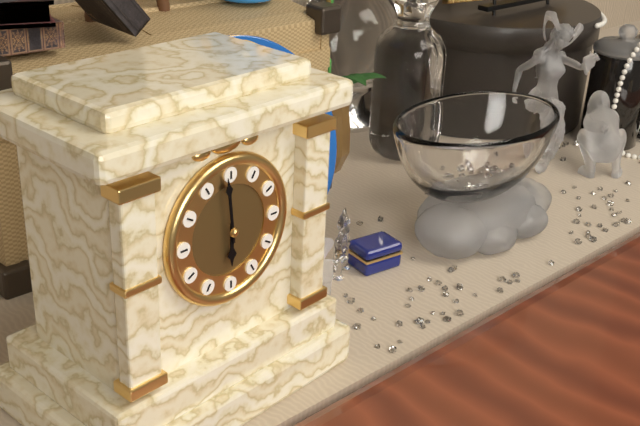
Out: {"hour": 5, "minute": 59}
